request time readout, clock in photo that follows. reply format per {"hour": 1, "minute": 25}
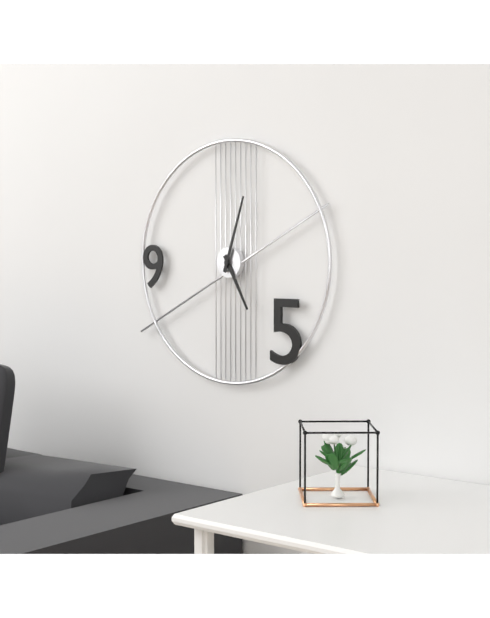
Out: {"hour": 5, "minute": 3}
